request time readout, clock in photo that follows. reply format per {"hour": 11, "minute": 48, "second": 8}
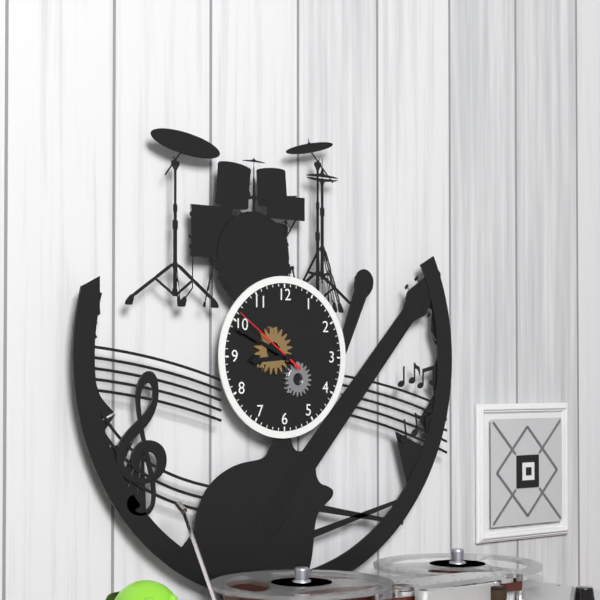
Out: {"hour": 8, "minute": 49, "second": 51}
